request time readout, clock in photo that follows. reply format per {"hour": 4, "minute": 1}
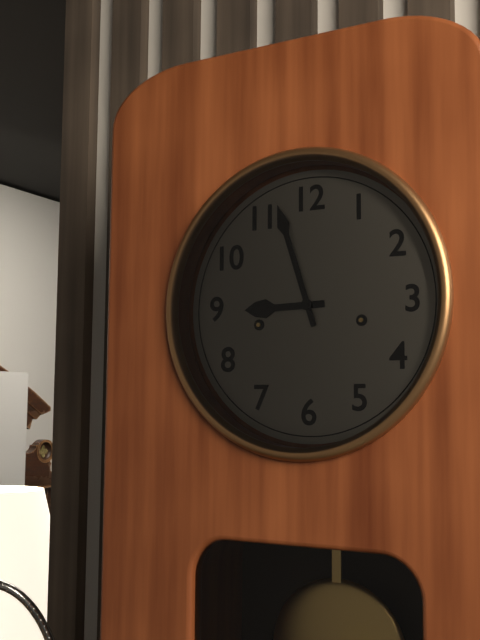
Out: {"hour": 8, "minute": 57}
